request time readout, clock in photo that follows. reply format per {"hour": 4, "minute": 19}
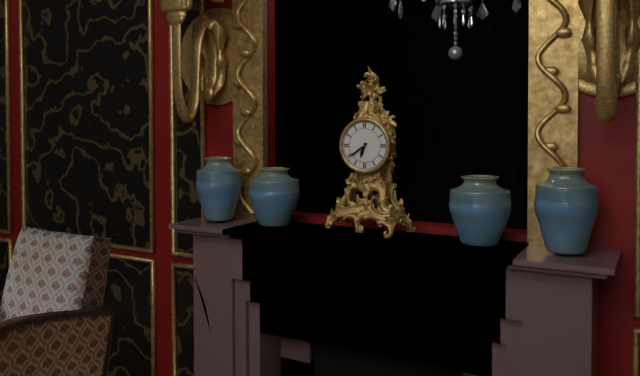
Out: {"hour": 6, "minute": 39}
